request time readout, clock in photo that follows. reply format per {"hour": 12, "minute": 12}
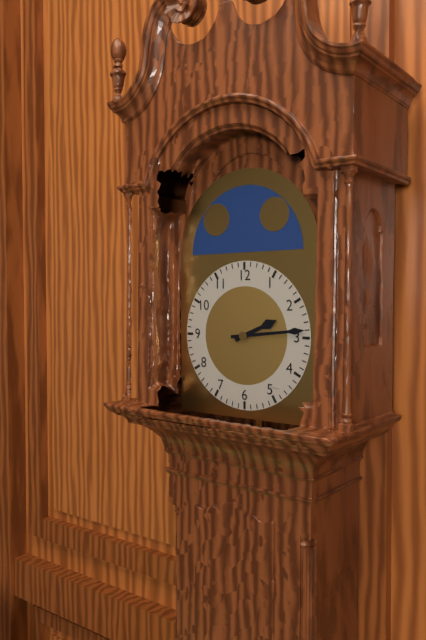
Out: {"hour": 2, "minute": 14}
